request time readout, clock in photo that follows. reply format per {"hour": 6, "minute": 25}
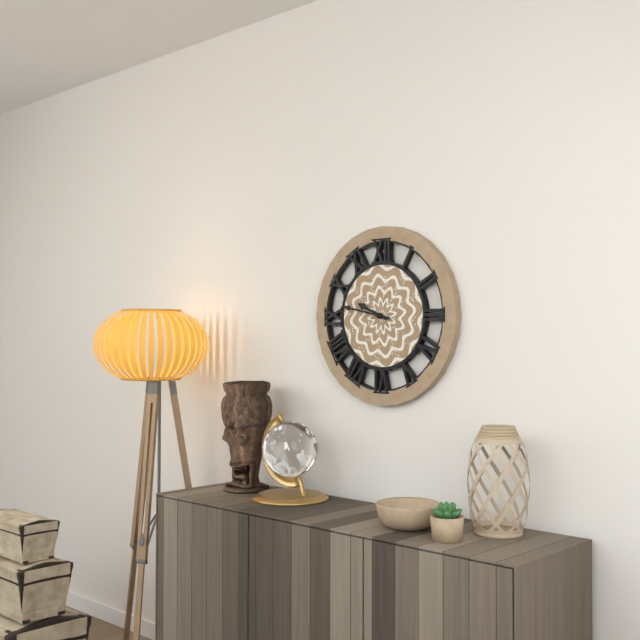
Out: {"hour": 9, "minute": 47}
